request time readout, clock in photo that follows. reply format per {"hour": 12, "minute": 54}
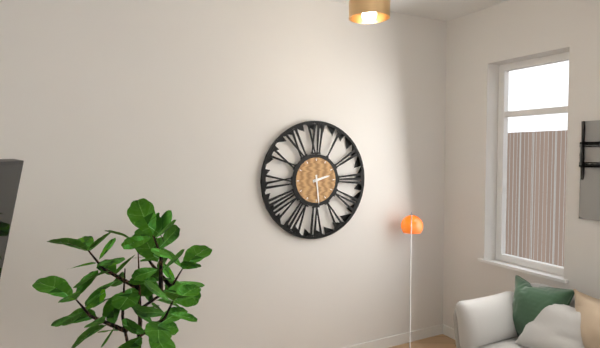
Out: {"hour": 2, "minute": 29}
